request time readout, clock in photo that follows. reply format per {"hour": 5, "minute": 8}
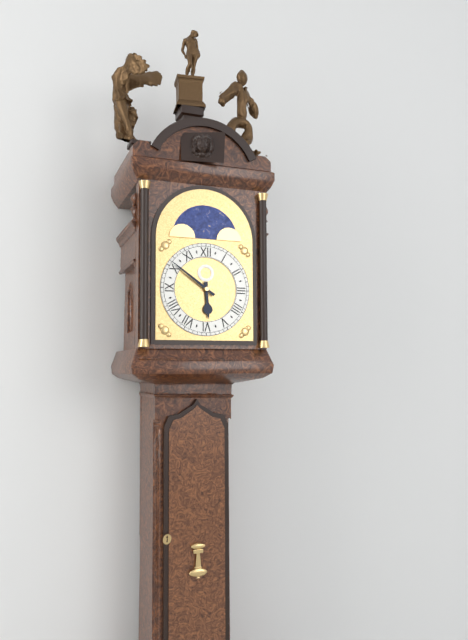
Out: {"hour": 5, "minute": 51}
